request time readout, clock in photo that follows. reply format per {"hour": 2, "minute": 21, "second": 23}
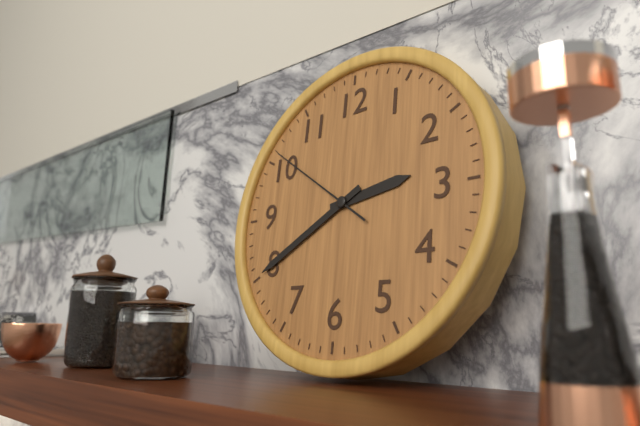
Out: {"hour": 2, "minute": 40, "second": 51}
